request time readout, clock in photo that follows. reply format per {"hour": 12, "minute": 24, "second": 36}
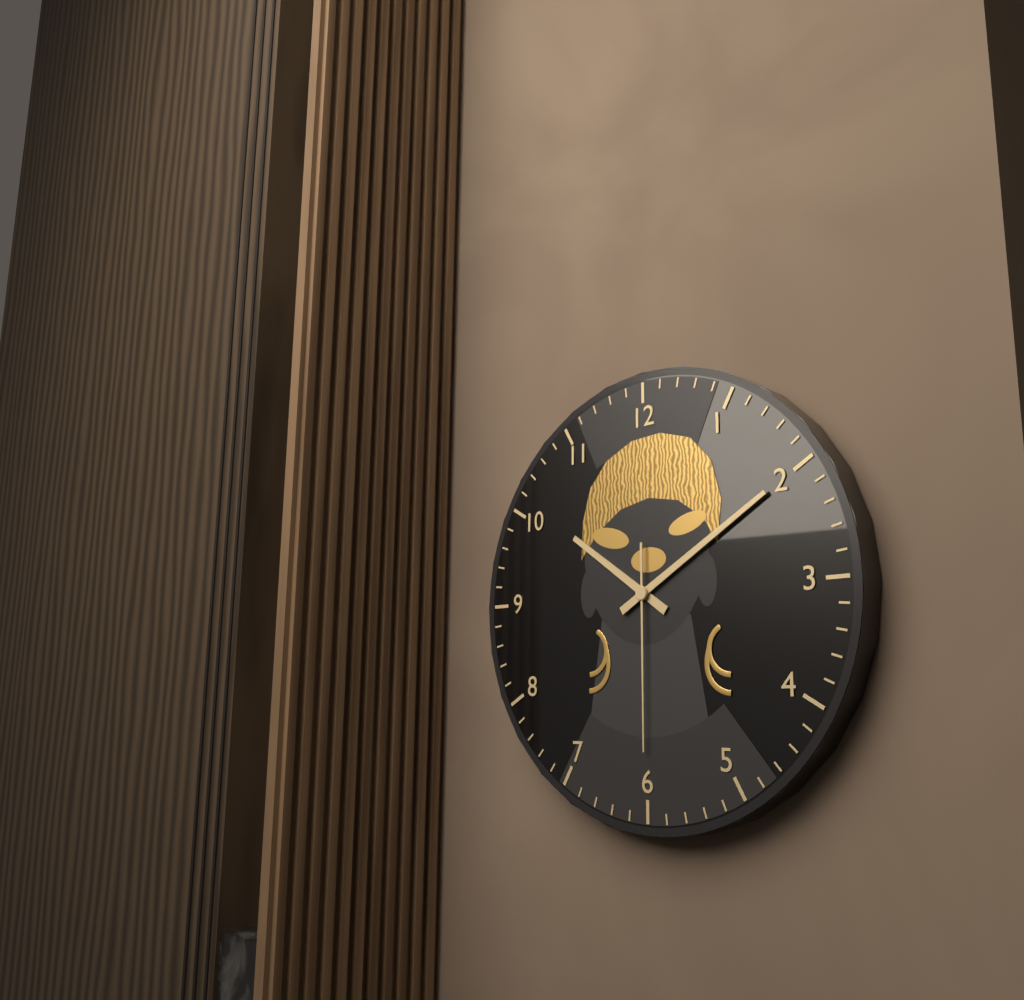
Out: {"hour": 10, "minute": 10, "second": 30}
